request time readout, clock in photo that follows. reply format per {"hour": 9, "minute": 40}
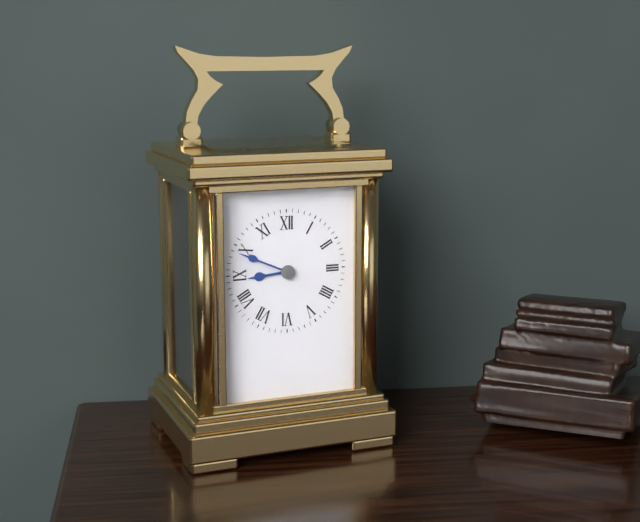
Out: {"hour": 8, "minute": 49}
